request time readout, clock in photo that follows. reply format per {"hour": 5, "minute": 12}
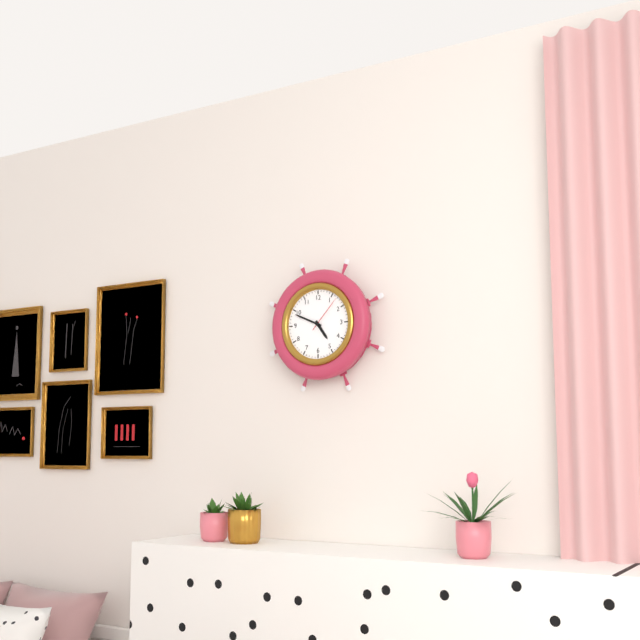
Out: {"hour": 4, "minute": 49}
